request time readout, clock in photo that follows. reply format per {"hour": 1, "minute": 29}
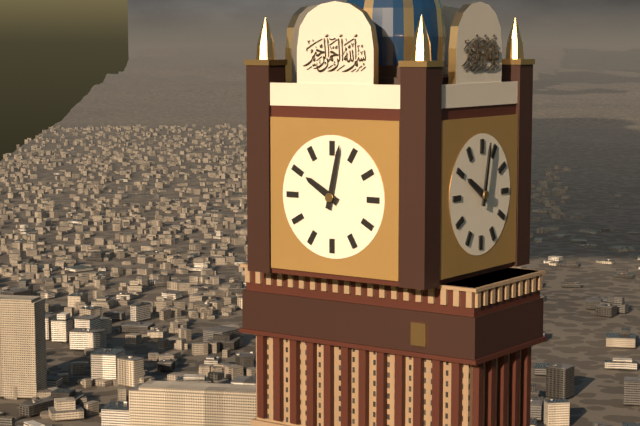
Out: {"hour": 10, "minute": 2}
